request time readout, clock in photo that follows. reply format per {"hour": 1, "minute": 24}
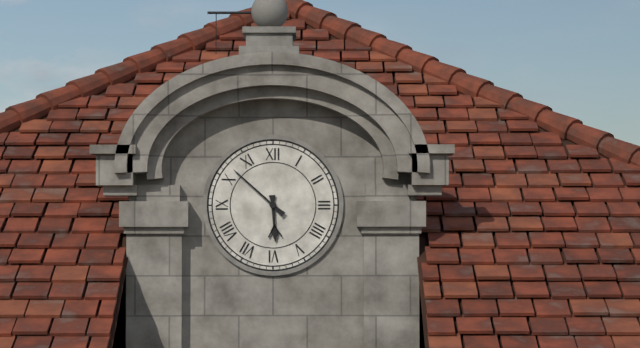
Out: {"hour": 5, "minute": 52}
